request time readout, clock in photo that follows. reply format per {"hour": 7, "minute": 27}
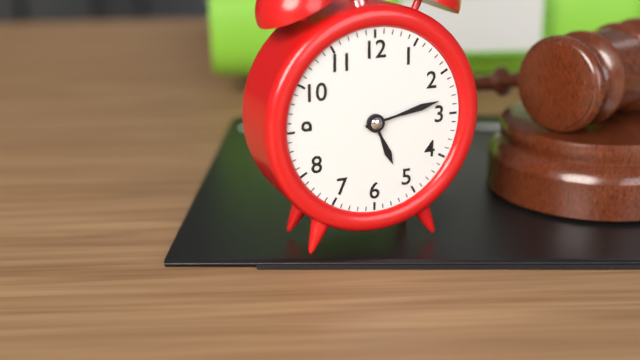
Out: {"hour": 5, "minute": 13}
